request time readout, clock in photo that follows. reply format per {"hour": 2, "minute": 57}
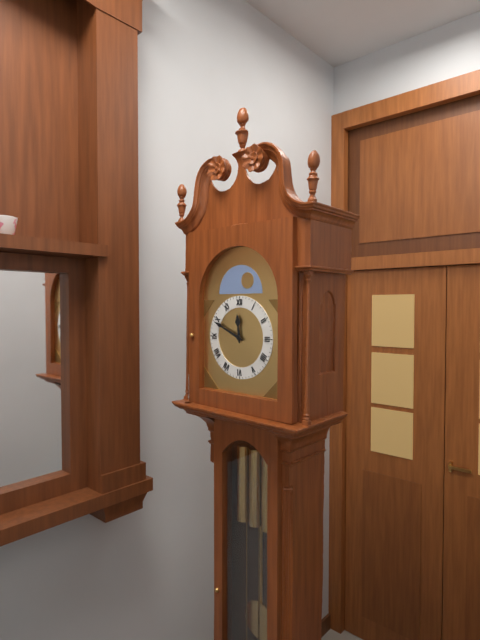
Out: {"hour": 11, "minute": 49}
